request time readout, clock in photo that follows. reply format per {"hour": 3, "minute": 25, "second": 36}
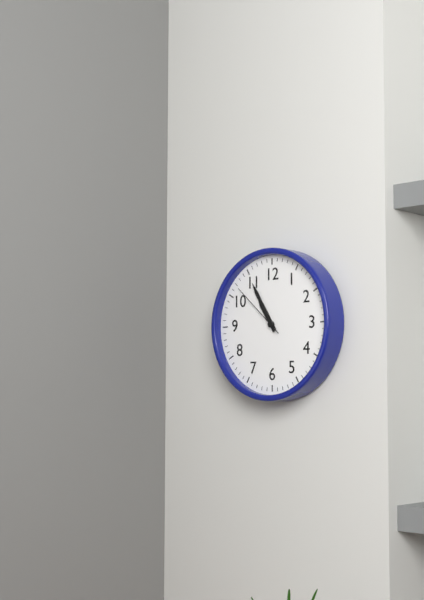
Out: {"hour": 10, "minute": 55, "second": 52}
